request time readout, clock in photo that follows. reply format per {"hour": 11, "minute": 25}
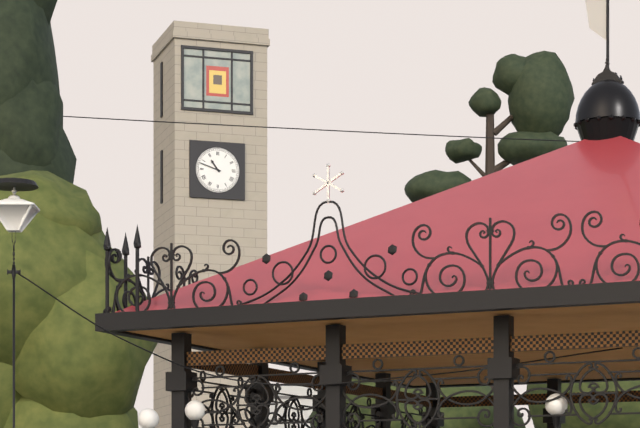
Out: {"hour": 10, "minute": 48}
